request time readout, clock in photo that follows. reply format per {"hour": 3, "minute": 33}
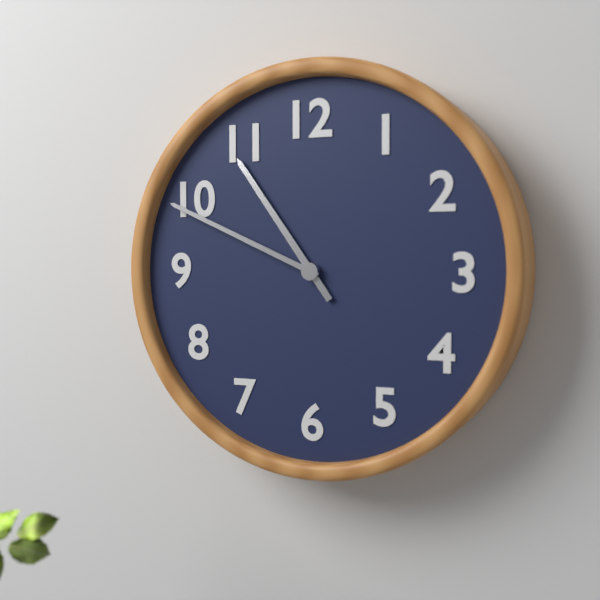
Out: {"hour": 10, "minute": 49}
